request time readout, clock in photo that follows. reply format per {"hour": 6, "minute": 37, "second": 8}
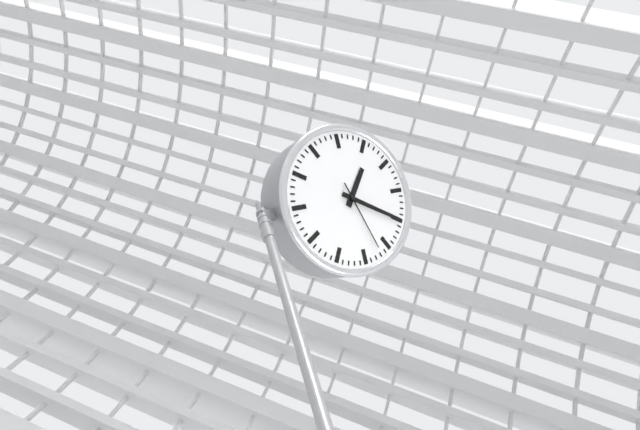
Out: {"hour": 12, "minute": 15, "second": 22}
